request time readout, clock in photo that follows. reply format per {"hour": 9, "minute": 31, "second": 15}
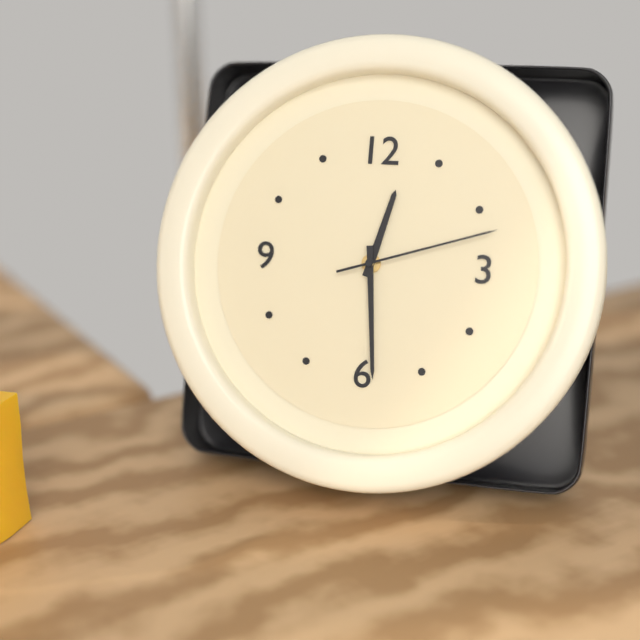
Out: {"hour": 12, "minute": 29, "second": 12}
